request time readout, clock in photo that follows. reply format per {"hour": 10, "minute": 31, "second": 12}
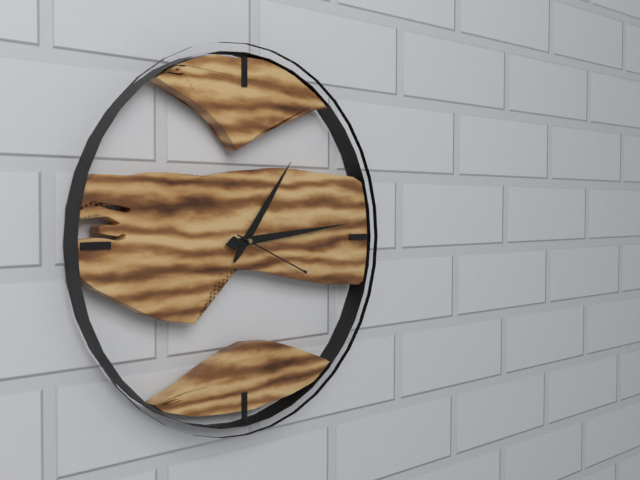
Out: {"hour": 1, "minute": 14, "second": 19}
